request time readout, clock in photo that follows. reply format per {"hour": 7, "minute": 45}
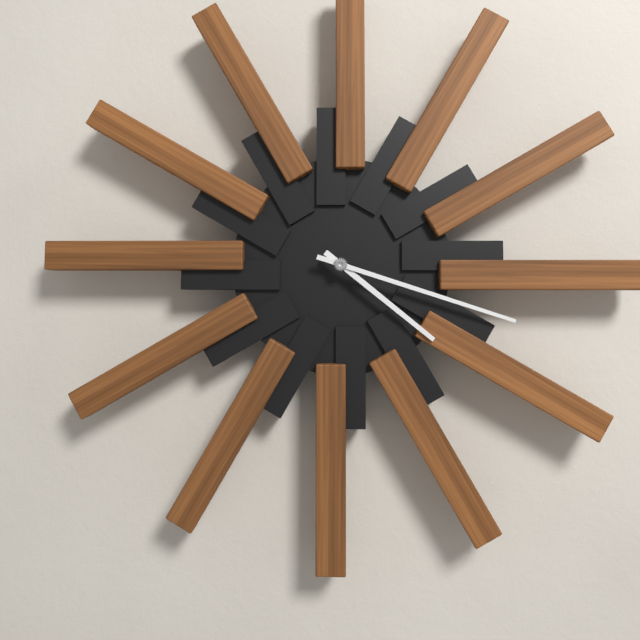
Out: {"hour": 4, "minute": 18}
